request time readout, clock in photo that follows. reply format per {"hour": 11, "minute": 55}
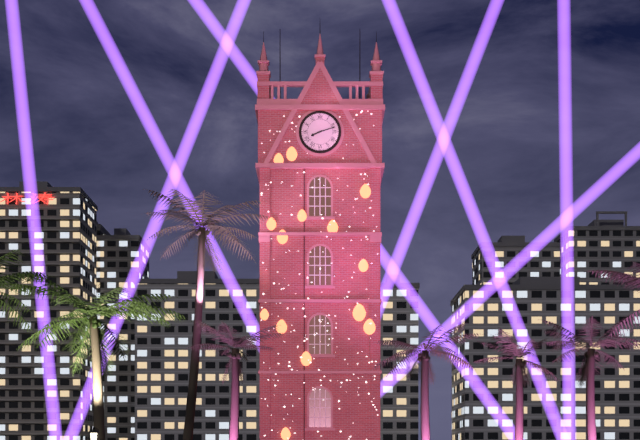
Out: {"hour": 8, "minute": 12}
